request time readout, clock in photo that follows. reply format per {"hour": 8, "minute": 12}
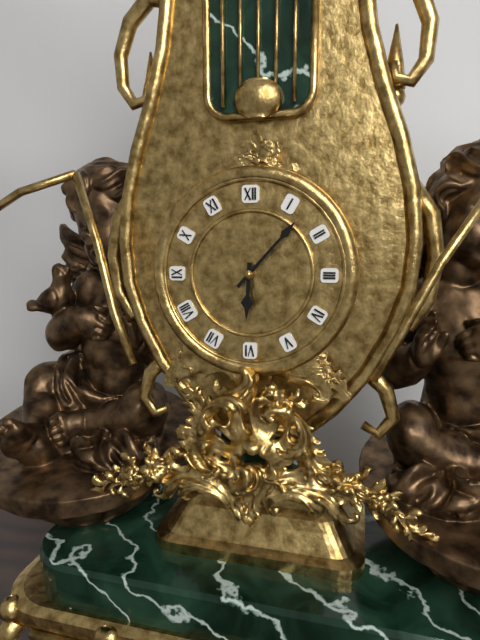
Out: {"hour": 6, "minute": 7}
